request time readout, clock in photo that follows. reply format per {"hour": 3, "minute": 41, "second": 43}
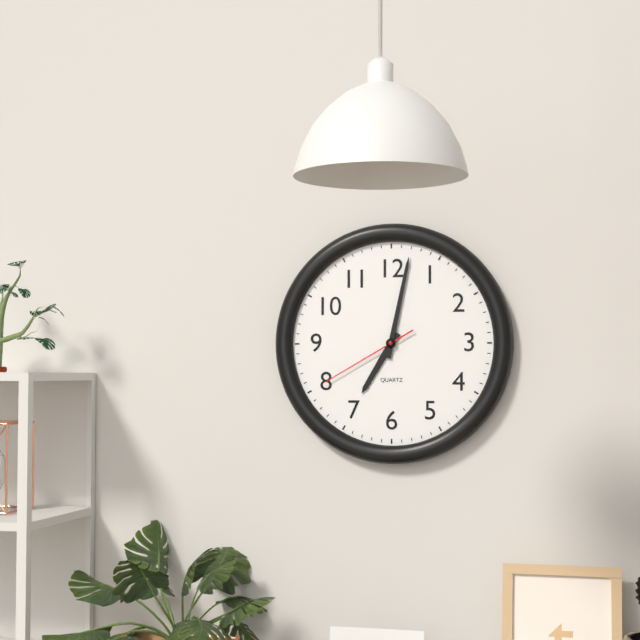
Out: {"hour": 7, "minute": 2, "second": 40}
